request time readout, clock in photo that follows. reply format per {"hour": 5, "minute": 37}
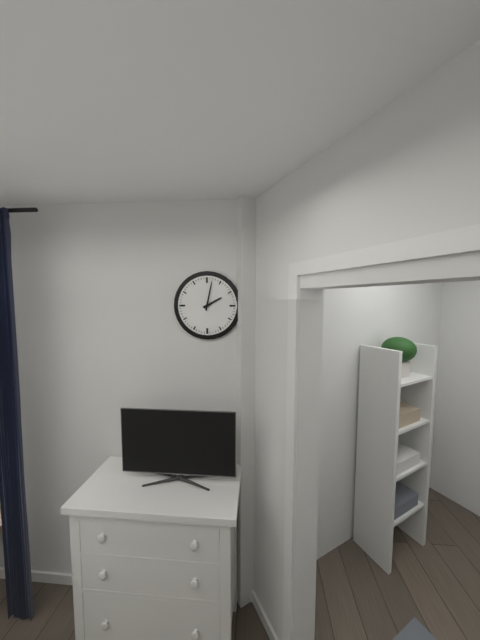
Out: {"hour": 2, "minute": 2}
